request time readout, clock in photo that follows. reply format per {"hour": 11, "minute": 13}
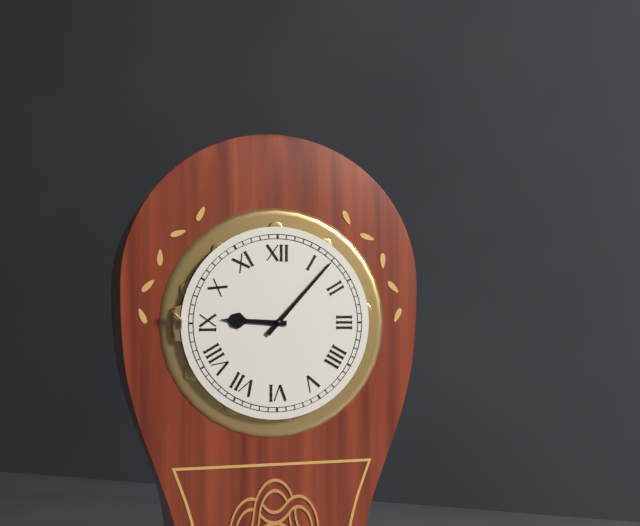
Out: {"hour": 9, "minute": 7}
